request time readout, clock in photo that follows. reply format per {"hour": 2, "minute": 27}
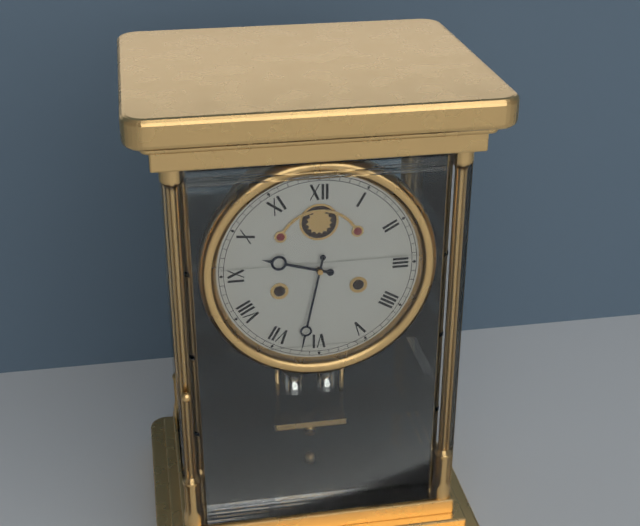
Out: {"hour": 9, "minute": 32}
